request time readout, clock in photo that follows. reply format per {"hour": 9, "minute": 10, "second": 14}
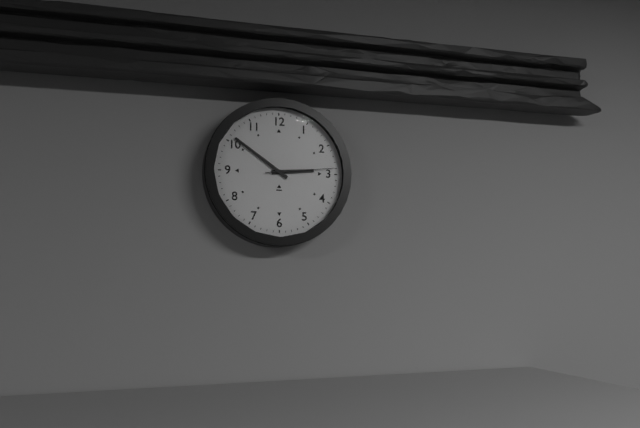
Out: {"hour": 2, "minute": 51, "second": 14}
